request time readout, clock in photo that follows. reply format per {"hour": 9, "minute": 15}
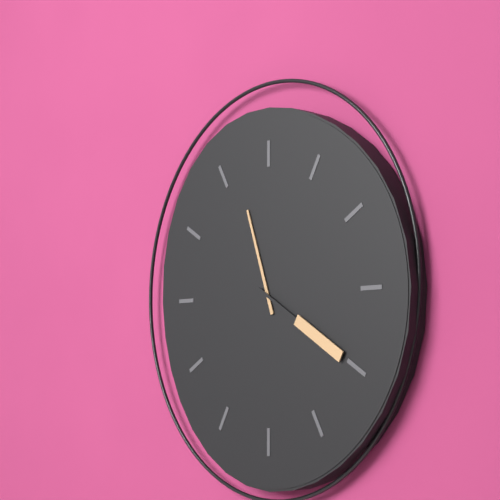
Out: {"hour": 11, "minute": 20}
